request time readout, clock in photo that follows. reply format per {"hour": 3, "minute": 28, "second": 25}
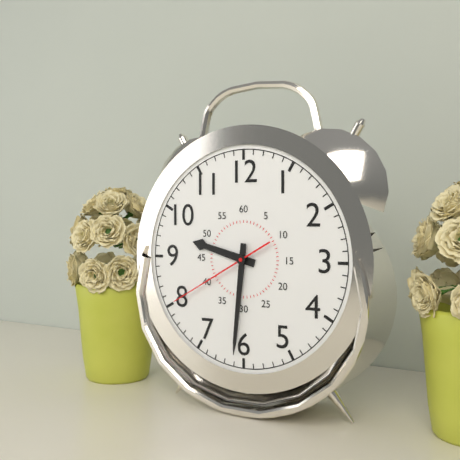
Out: {"hour": 9, "minute": 31, "second": 40}
